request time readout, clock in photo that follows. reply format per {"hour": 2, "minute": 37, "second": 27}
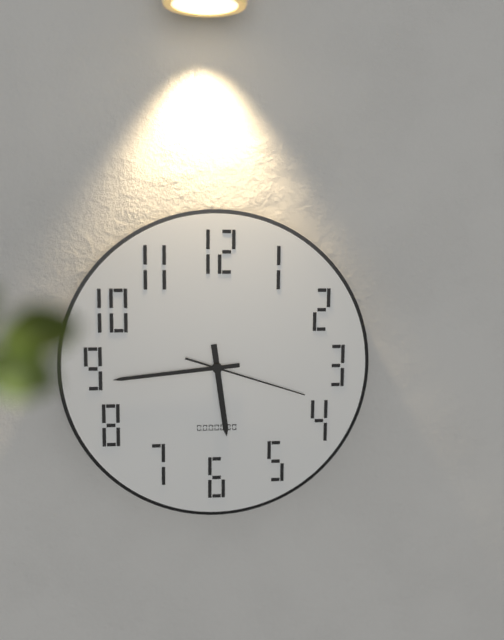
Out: {"hour": 5, "minute": 44, "second": 18}
